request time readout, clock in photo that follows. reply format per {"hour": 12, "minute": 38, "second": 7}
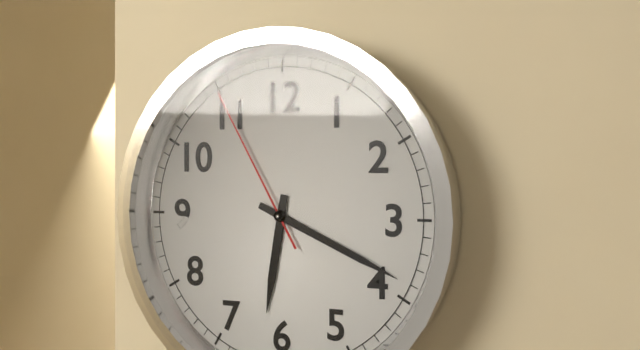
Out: {"hour": 6, "minute": 19, "second": 55}
